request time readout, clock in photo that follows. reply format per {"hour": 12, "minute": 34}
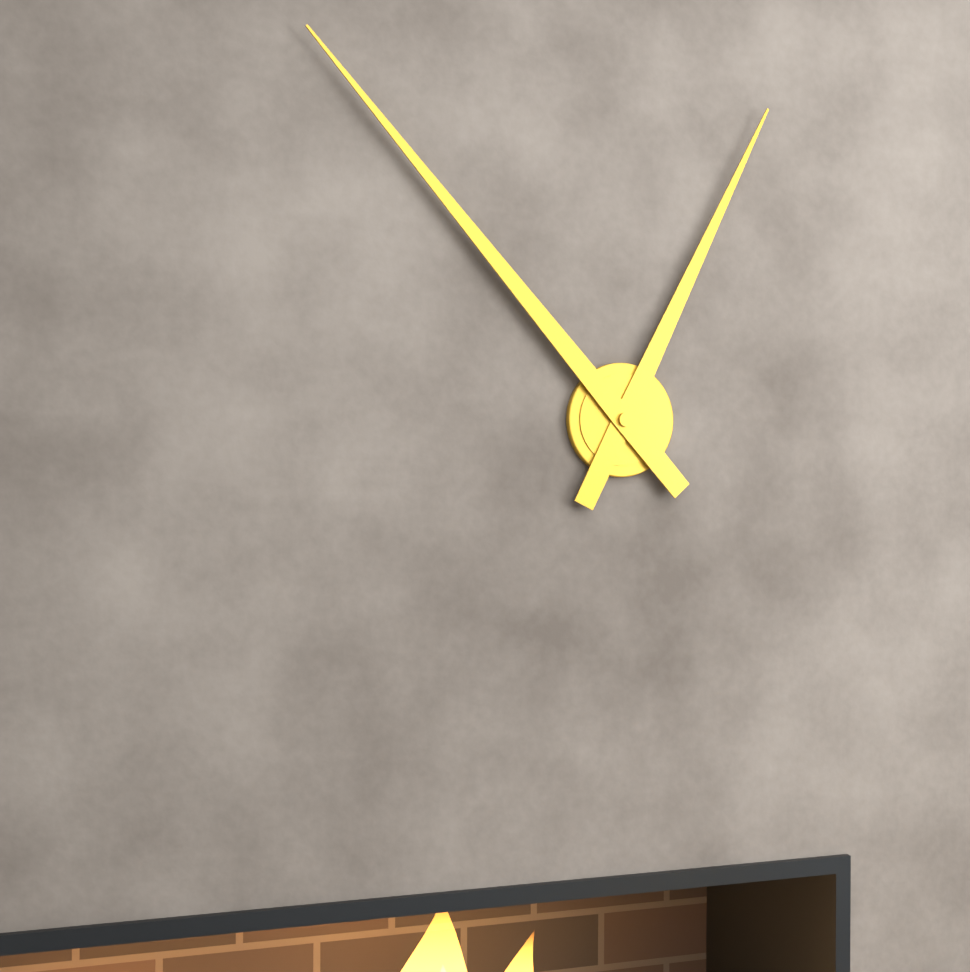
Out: {"hour": 12, "minute": 53}
